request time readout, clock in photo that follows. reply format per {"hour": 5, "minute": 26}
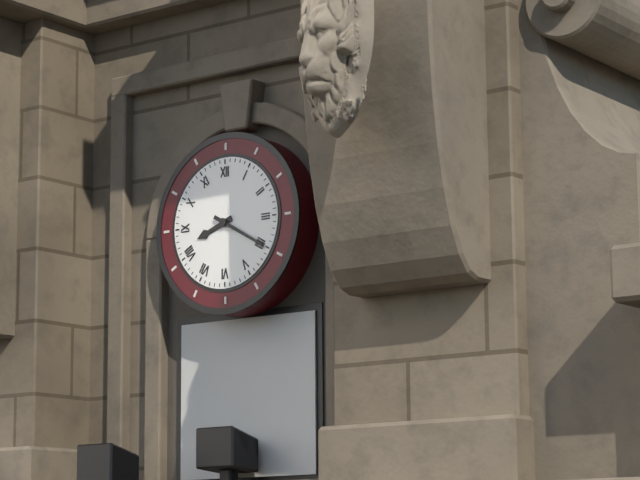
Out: {"hour": 8, "minute": 20}
